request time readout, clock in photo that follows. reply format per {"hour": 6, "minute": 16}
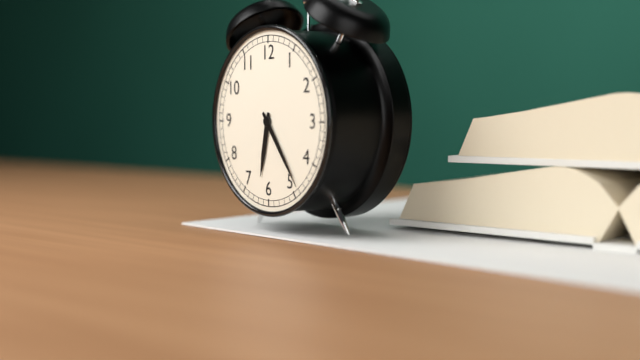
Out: {"hour": 6, "minute": 24}
